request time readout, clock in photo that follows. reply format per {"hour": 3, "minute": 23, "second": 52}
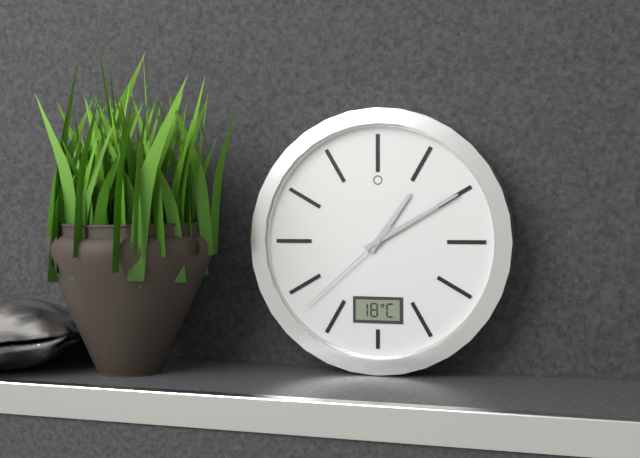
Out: {"hour": 1, "minute": 10, "second": 38}
